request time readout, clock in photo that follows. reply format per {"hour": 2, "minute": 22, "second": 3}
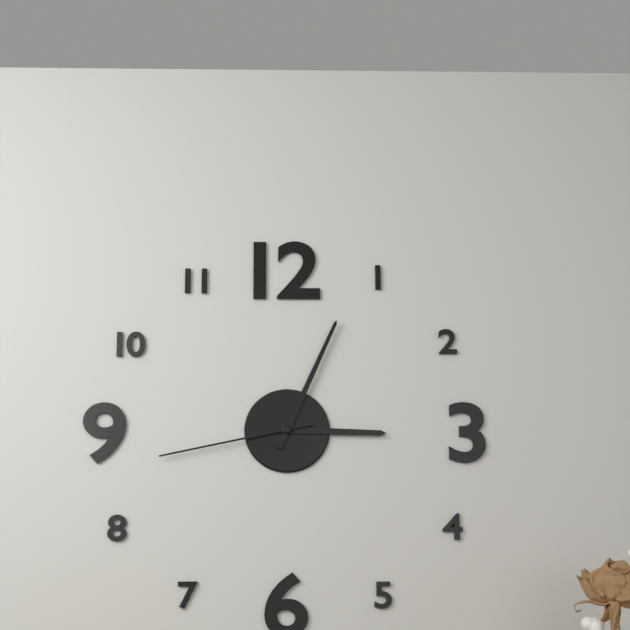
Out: {"hour": 3, "minute": 4, "second": 43}
